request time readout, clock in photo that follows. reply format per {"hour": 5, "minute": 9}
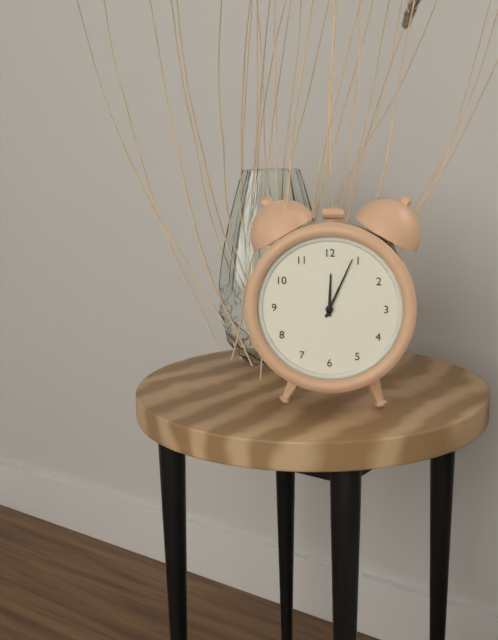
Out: {"hour": 12, "minute": 4}
